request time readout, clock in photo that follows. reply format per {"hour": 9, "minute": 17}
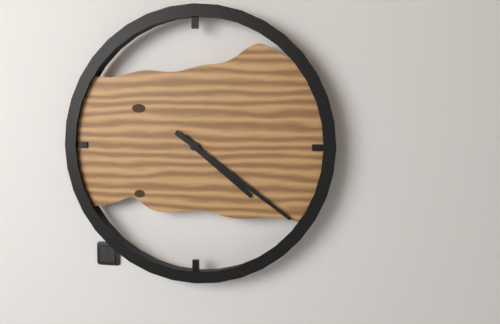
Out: {"hour": 4, "minute": 21}
